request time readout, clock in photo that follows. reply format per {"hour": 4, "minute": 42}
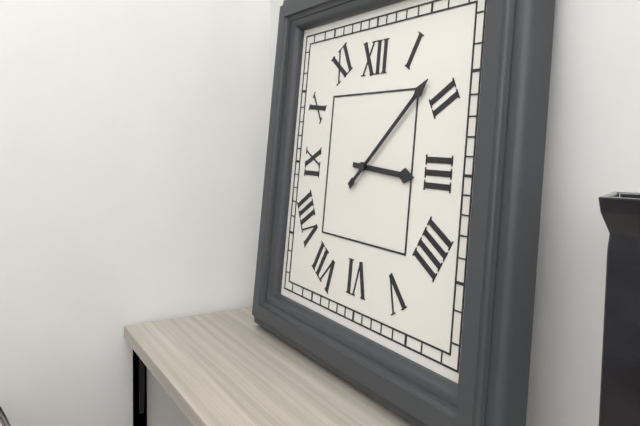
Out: {"hour": 3, "minute": 8}
